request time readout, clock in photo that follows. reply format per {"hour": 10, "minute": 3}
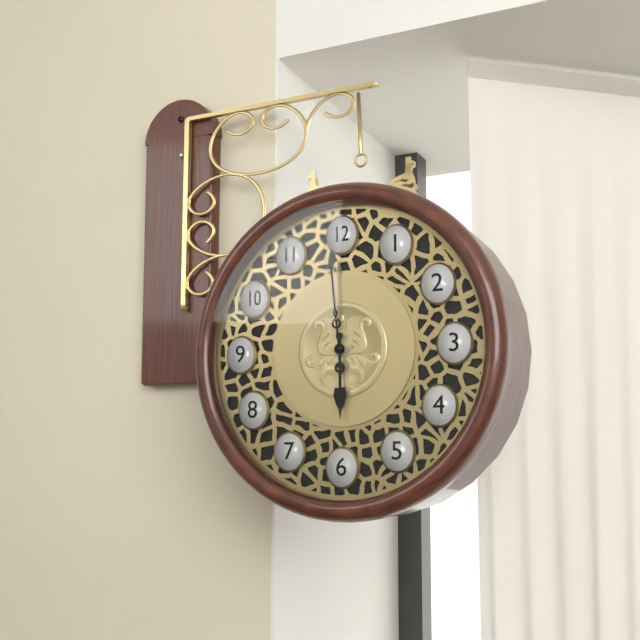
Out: {"hour": 5, "minute": 59}
